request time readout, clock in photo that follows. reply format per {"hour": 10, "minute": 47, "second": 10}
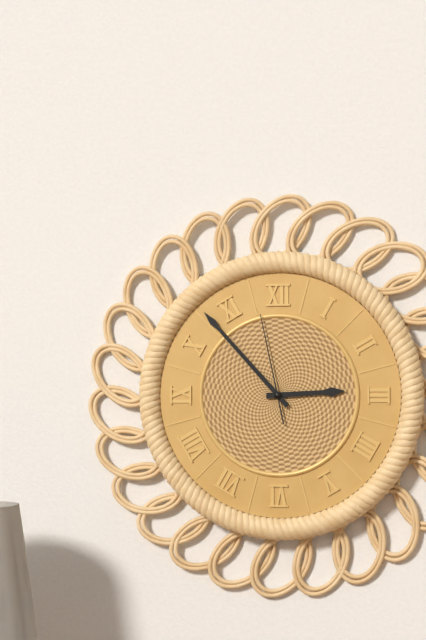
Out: {"hour": 2, "minute": 53, "second": 58}
